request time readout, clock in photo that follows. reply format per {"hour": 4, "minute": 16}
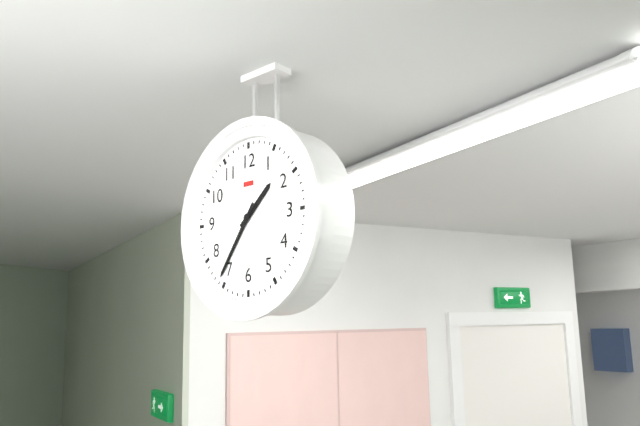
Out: {"hour": 1, "minute": 36}
